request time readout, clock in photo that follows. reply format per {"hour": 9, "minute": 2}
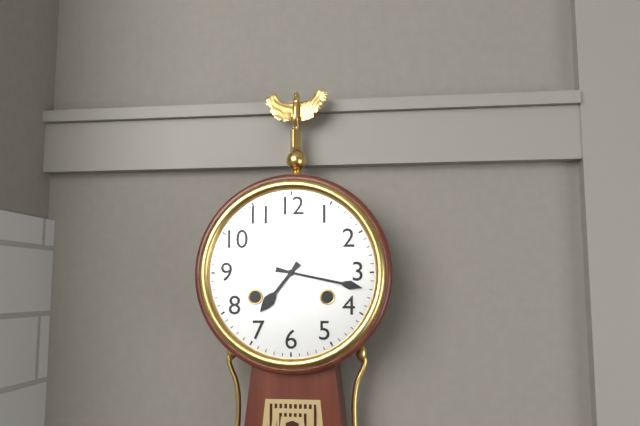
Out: {"hour": 7, "minute": 17}
